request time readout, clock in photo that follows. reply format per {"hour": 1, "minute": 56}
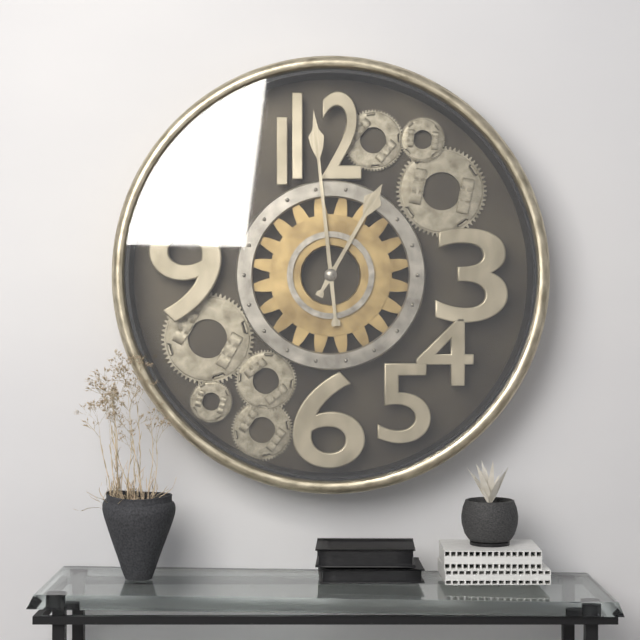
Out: {"hour": 12, "minute": 59}
